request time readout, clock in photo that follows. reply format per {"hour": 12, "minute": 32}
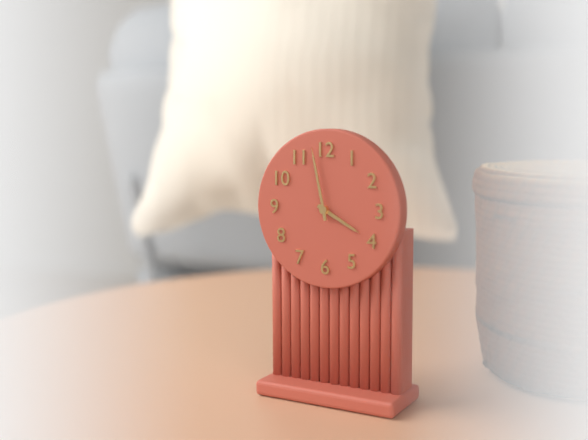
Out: {"hour": 3, "minute": 58}
